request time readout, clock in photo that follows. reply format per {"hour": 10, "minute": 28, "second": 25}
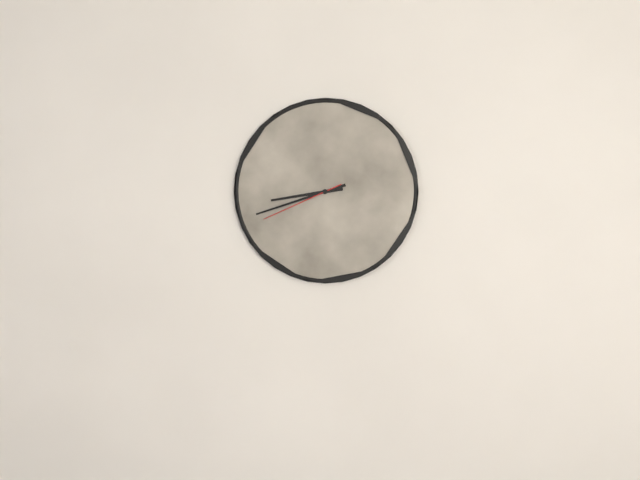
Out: {"hour": 8, "minute": 42, "second": 41}
